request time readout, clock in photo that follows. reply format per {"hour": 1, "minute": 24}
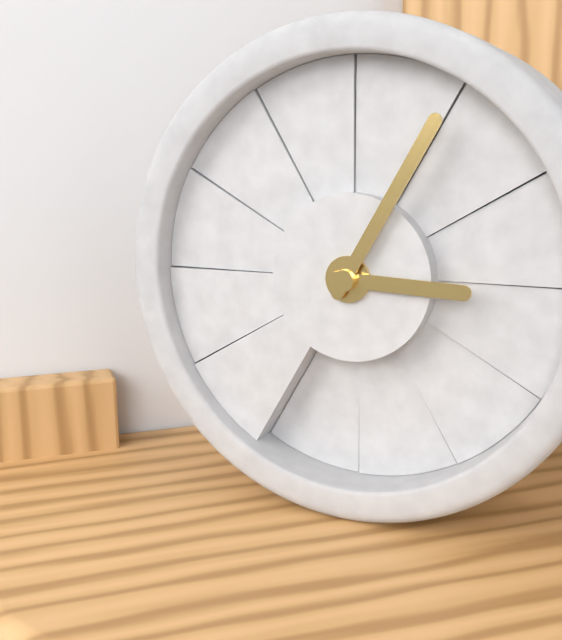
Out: {"hour": 3, "minute": 5}
